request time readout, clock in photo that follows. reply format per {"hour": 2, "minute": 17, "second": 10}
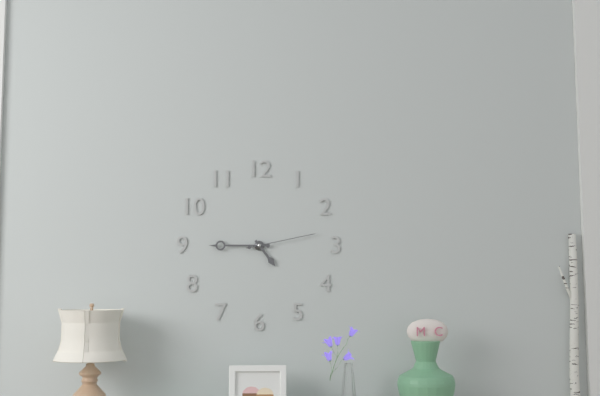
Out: {"hour": 4, "minute": 45, "second": 13}
